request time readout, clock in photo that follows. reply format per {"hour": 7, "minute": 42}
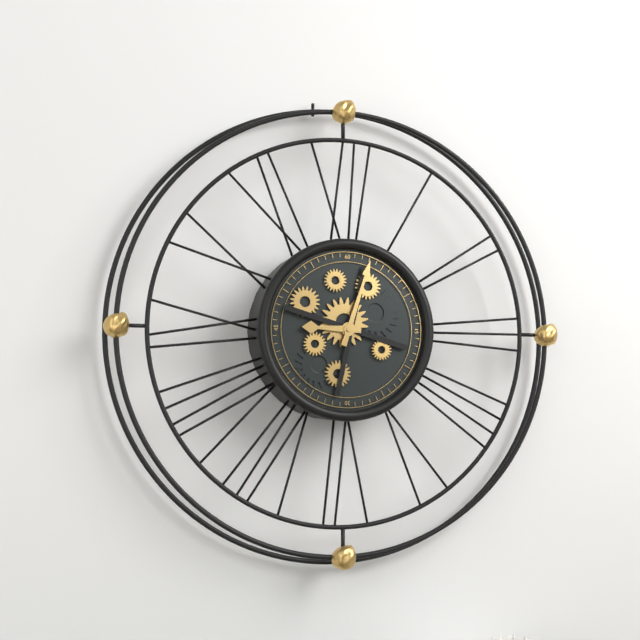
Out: {"hour": 9, "minute": 3}
